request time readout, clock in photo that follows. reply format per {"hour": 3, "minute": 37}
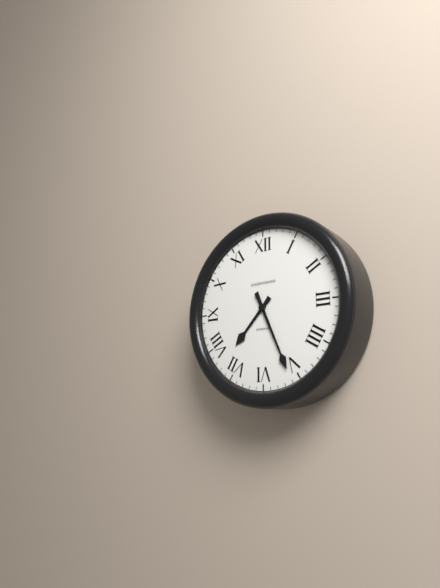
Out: {"hour": 7, "minute": 26}
